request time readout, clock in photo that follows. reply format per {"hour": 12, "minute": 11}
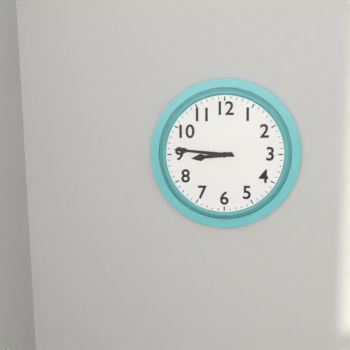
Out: {"hour": 8, "minute": 46}
